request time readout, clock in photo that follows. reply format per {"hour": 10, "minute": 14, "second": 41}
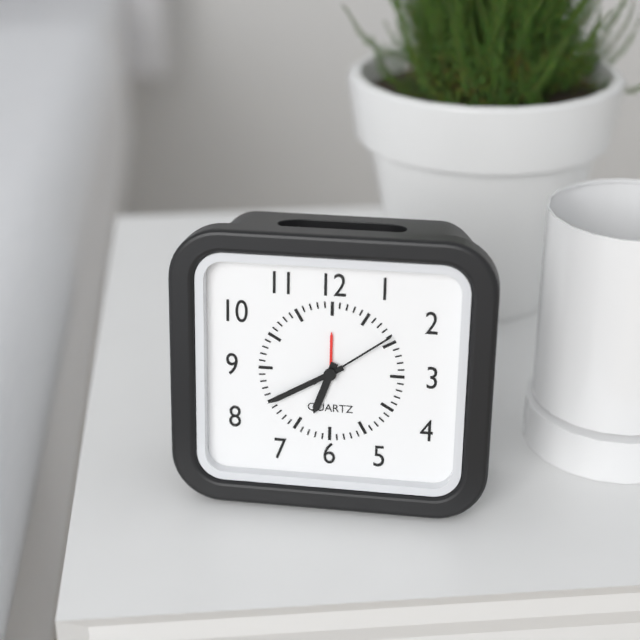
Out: {"hour": 6, "minute": 40, "second": 9}
